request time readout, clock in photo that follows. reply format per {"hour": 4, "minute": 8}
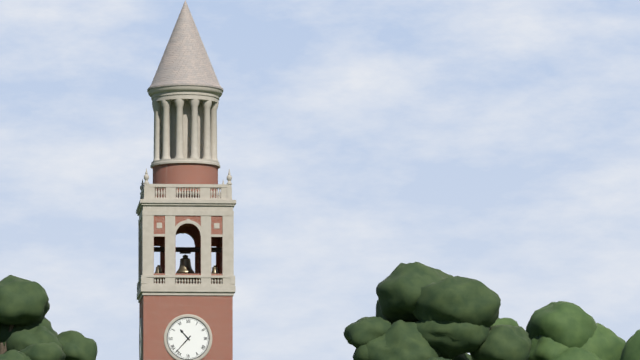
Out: {"hour": 10, "minute": 37}
